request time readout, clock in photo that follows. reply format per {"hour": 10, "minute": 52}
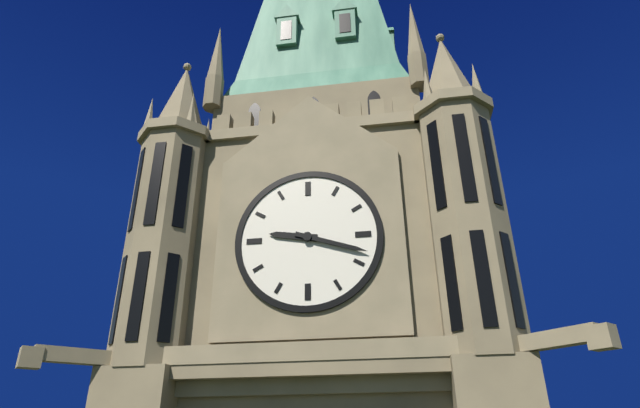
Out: {"hour": 9, "minute": 18}
